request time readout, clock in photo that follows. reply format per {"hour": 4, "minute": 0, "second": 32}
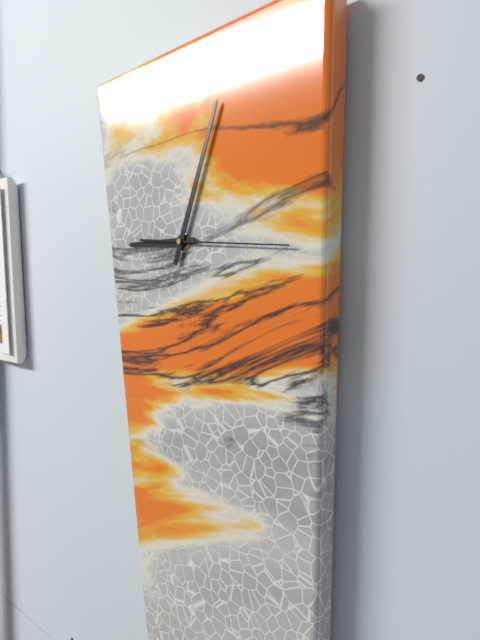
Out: {"hour": 9, "minute": 4, "second": 16}
